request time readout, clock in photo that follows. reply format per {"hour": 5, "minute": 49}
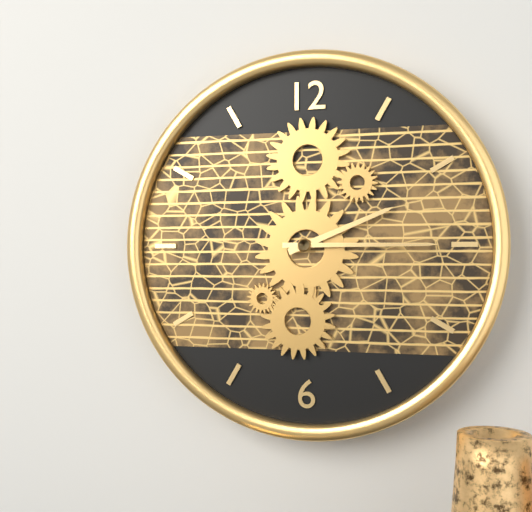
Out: {"hour": 2, "minute": 15}
